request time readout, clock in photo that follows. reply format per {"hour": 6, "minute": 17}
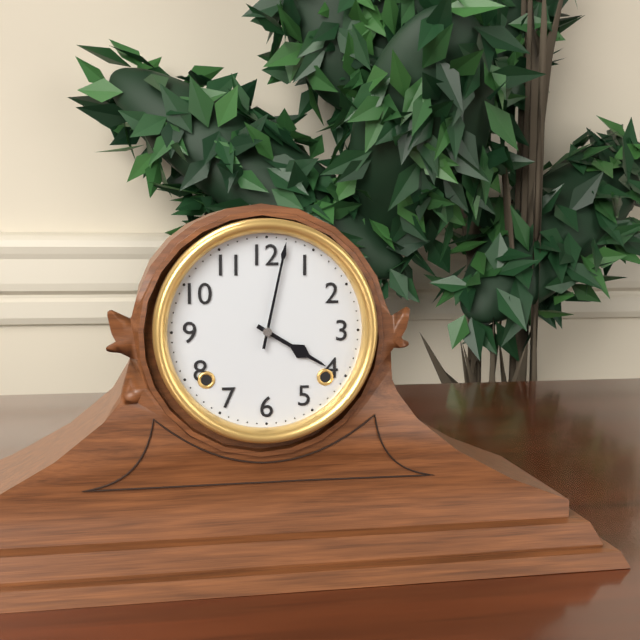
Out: {"hour": 4, "minute": 2}
